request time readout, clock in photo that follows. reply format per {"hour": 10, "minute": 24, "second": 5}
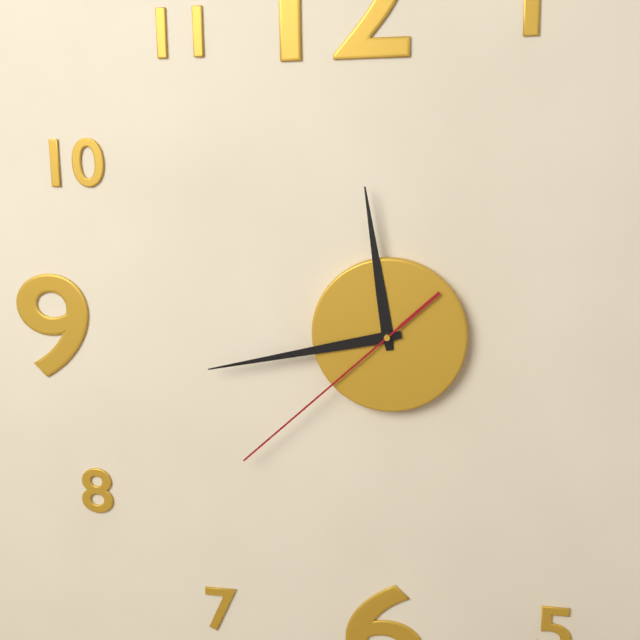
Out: {"hour": 11, "minute": 43, "second": 38}
